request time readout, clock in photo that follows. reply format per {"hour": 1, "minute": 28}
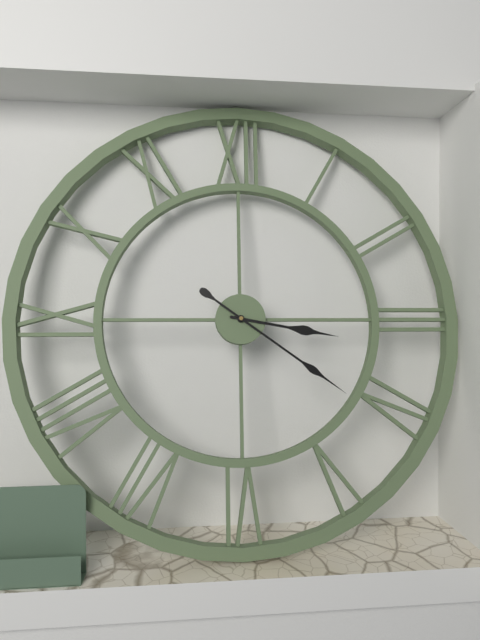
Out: {"hour": 3, "minute": 21}
